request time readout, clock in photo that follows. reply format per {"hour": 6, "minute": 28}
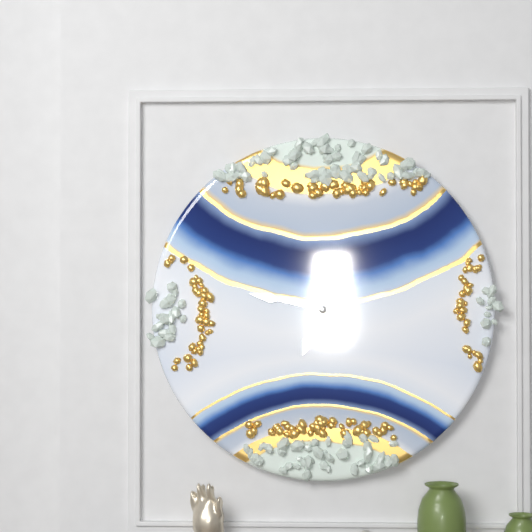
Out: {"hour": 6, "minute": 47}
